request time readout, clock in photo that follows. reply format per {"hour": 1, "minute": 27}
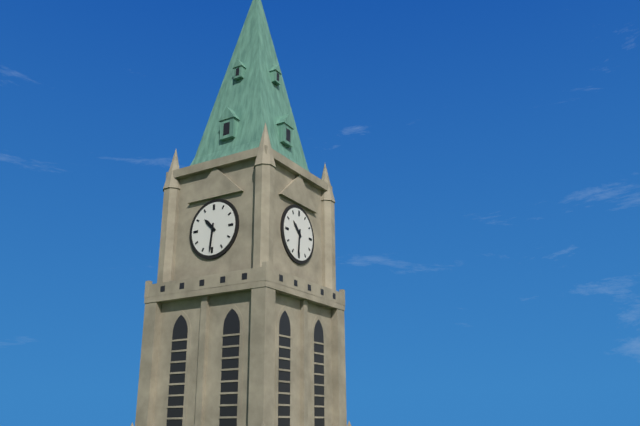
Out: {"hour": 10, "minute": 31}
